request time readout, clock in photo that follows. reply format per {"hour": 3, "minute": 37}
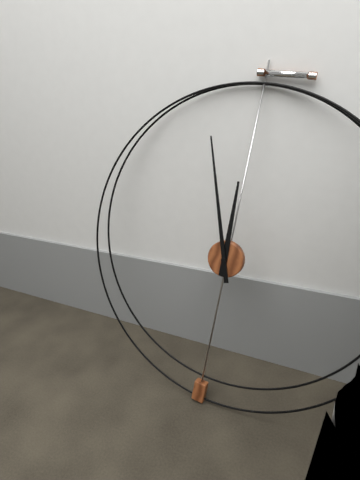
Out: {"hour": 11, "minute": 57}
